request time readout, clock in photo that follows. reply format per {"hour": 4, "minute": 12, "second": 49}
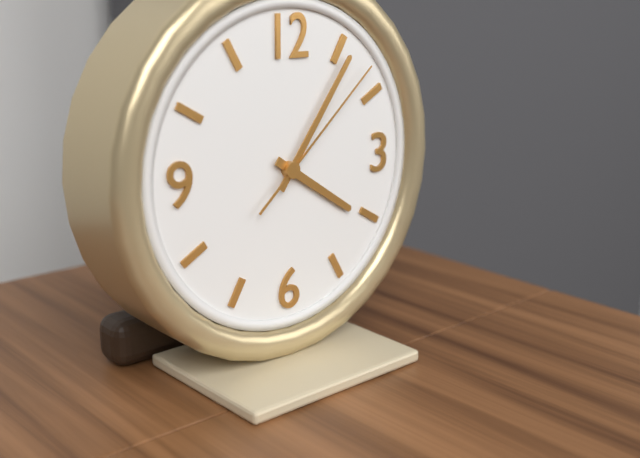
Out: {"hour": 4, "minute": 6, "second": 8}
